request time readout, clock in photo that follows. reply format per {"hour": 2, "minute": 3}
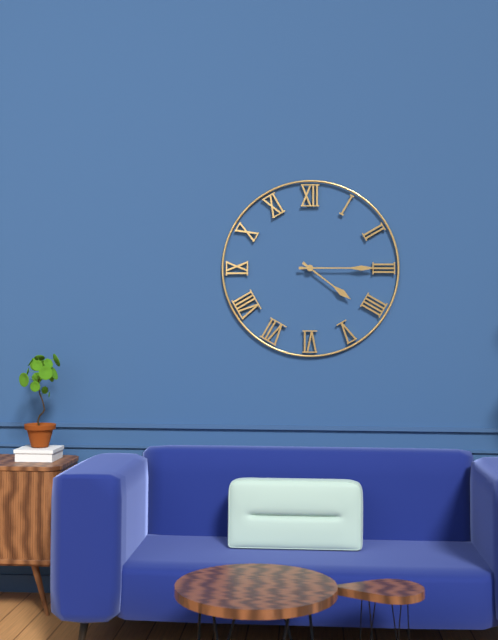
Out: {"hour": 4, "minute": 15}
